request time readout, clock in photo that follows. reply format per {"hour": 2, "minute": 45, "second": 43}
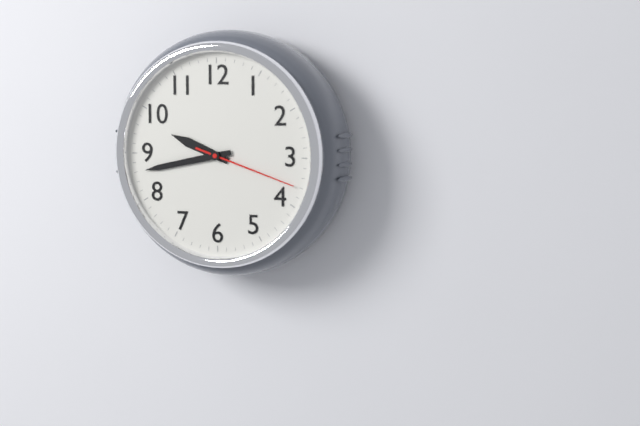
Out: {"hour": 9, "minute": 43, "second": 18}
